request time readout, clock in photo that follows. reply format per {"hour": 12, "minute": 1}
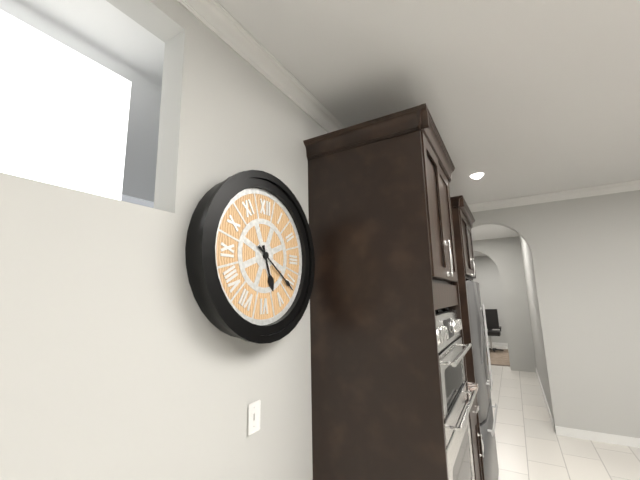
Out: {"hour": 5, "minute": 21}
